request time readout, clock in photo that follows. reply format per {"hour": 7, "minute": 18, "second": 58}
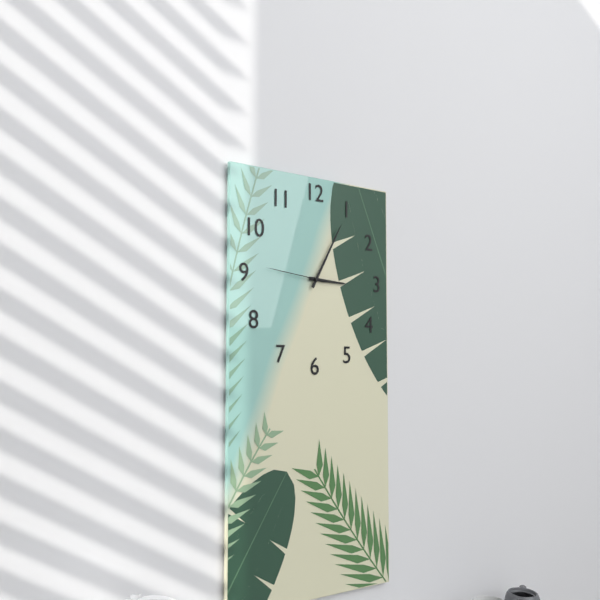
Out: {"hour": 3, "minute": 5, "second": 46}
